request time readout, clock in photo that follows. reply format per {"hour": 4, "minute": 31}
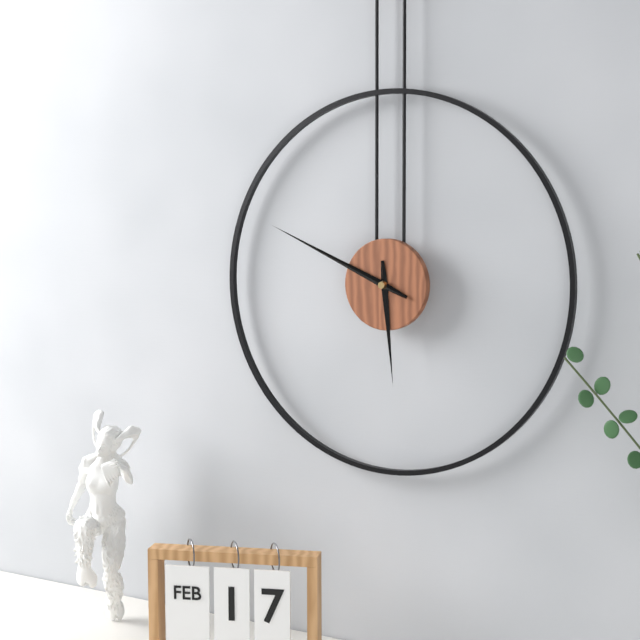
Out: {"hour": 5, "minute": 49}
